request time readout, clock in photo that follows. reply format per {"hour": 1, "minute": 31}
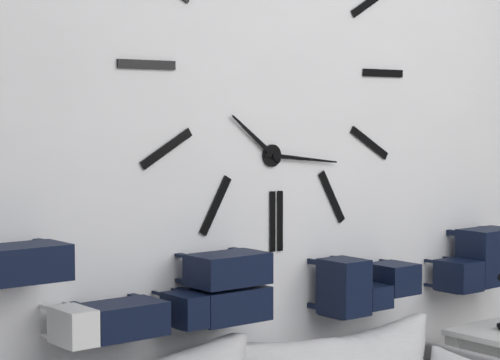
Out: {"hour": 10, "minute": 16}
